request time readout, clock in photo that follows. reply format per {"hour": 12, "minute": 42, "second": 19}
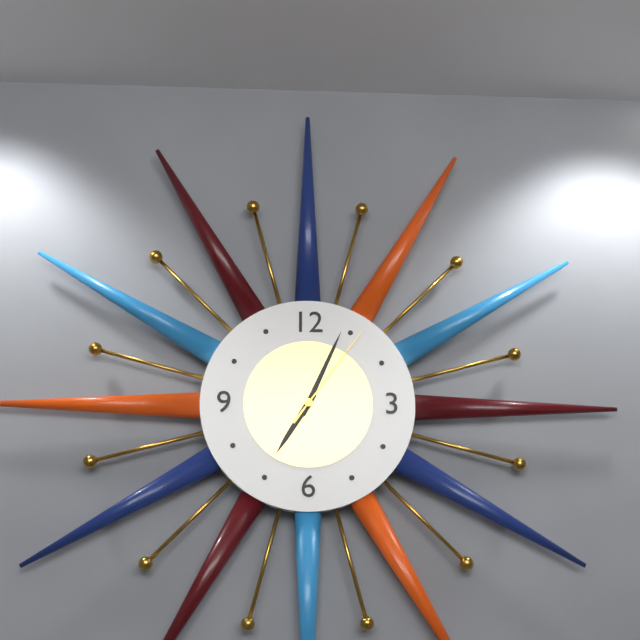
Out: {"hour": 7, "minute": 4, "second": 6}
